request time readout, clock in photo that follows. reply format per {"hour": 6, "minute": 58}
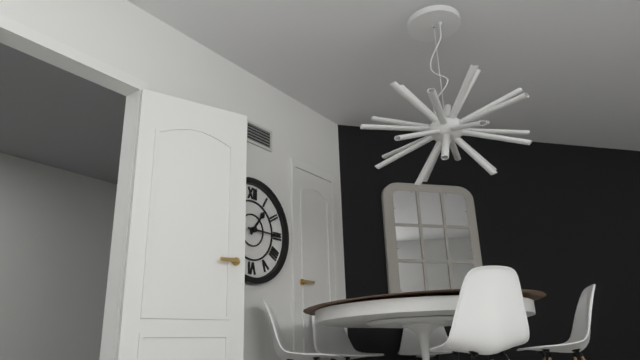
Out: {"hour": 1, "minute": 15}
